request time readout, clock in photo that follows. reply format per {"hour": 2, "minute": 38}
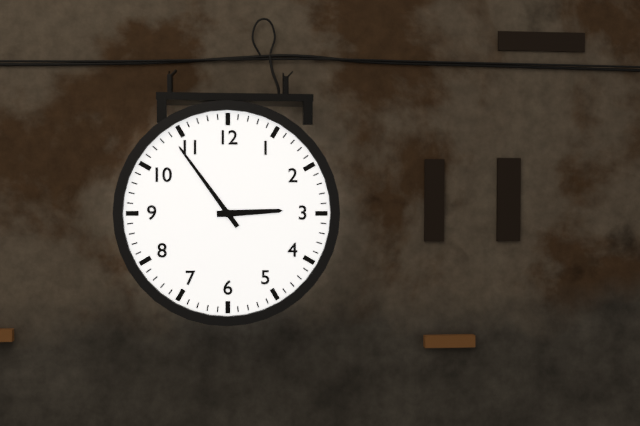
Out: {"hour": 2, "minute": 54}
